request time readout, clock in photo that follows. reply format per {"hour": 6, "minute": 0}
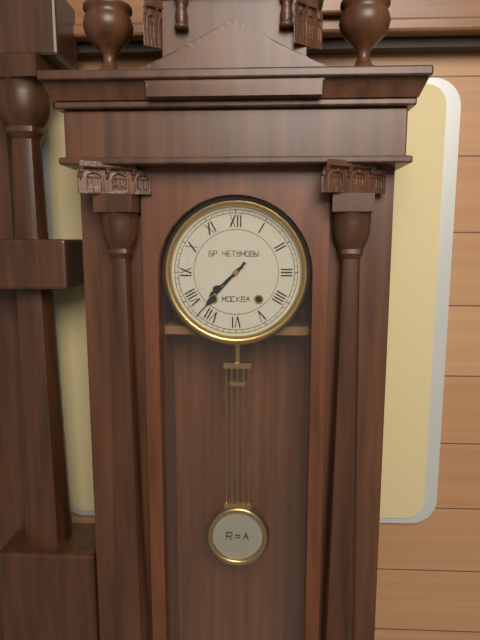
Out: {"hour": 7, "minute": 37}
